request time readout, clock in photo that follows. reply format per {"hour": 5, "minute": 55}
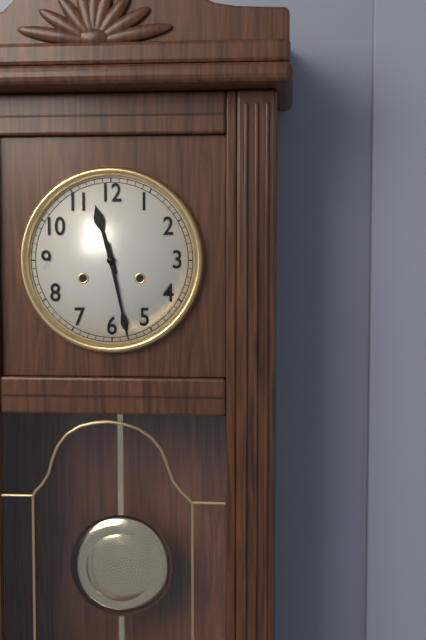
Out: {"hour": 11, "minute": 28}
